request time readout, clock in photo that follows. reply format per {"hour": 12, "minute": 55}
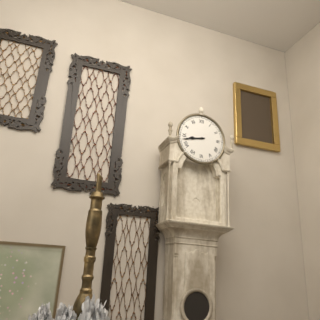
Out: {"hour": 8, "minute": 43}
